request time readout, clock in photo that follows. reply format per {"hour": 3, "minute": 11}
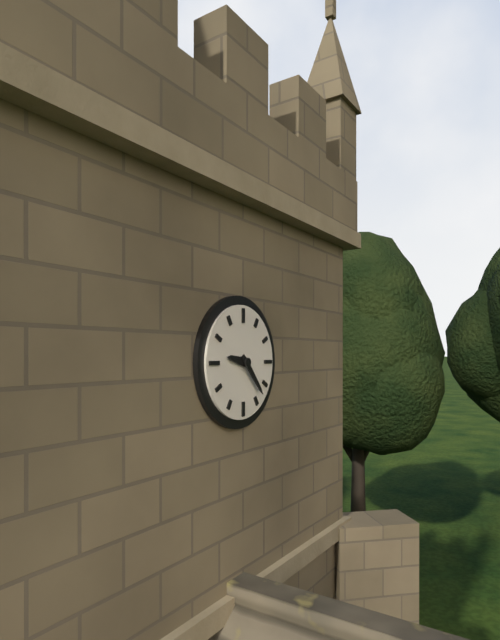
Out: {"hour": 9, "minute": 23}
